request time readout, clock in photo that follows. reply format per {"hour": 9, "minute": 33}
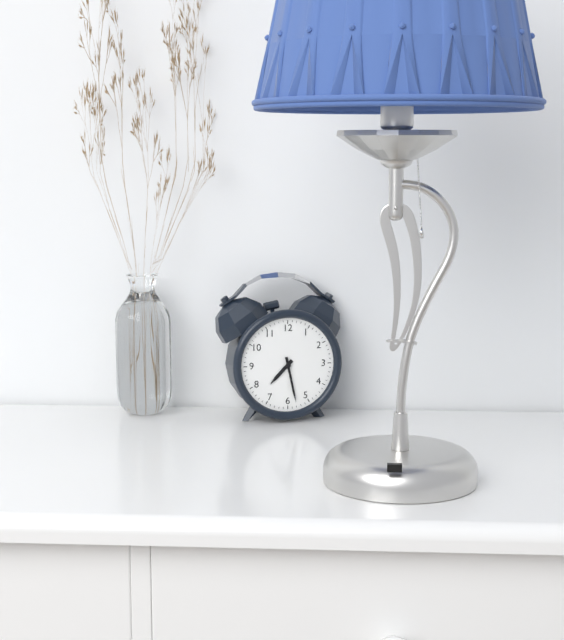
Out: {"hour": 7, "minute": 28}
